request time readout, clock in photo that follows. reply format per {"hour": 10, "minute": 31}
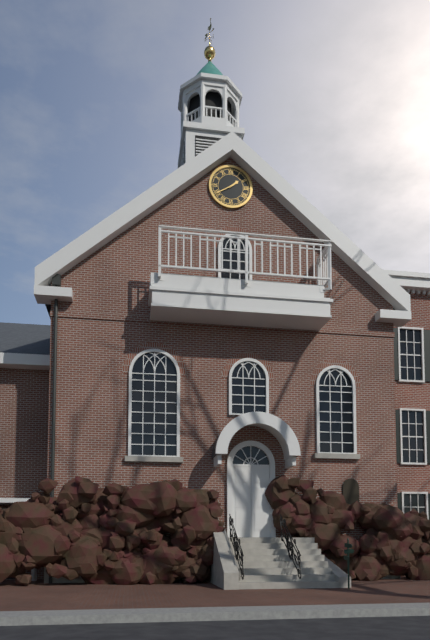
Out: {"hour": 1, "minute": 40}
